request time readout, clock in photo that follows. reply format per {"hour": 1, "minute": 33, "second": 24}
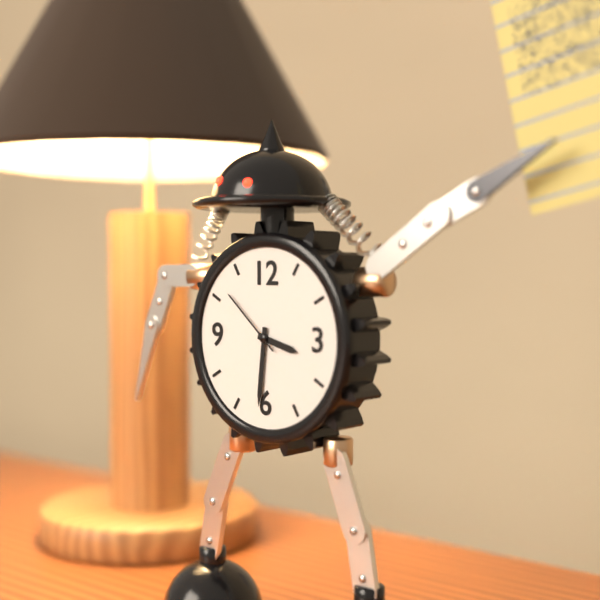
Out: {"hour": 3, "minute": 31, "second": 52}
